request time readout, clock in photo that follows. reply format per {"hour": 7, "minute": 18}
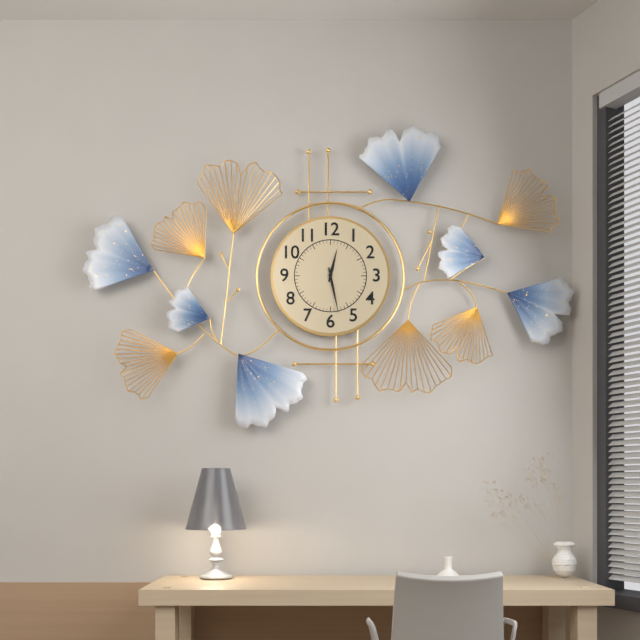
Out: {"hour": 12, "minute": 28}
